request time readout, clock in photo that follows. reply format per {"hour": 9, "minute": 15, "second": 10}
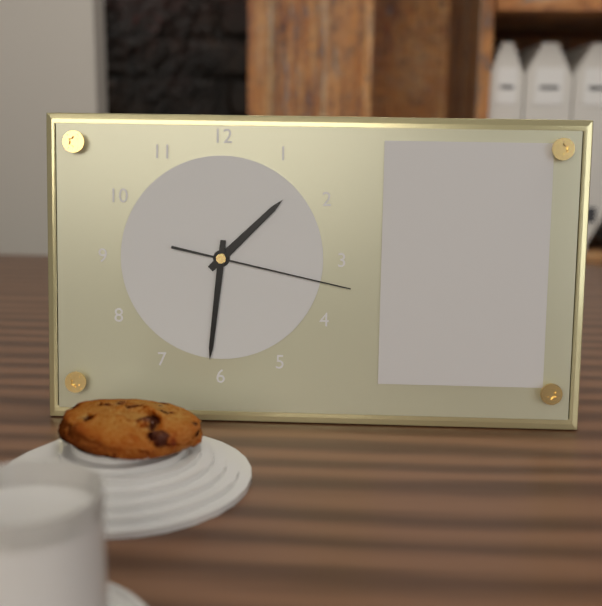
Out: {"hour": 1, "minute": 31, "second": 17}
